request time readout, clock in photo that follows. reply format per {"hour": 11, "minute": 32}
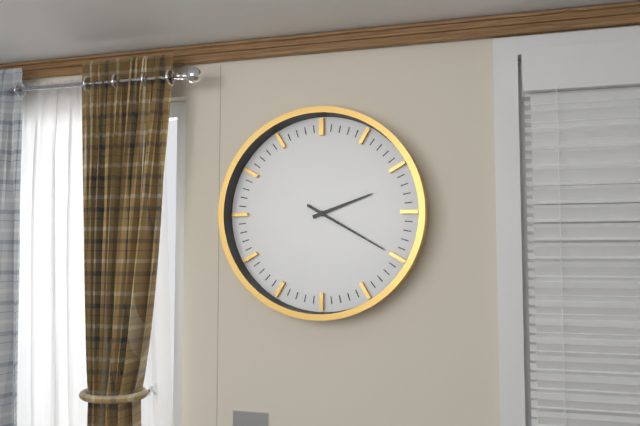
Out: {"hour": 2, "minute": 20}
